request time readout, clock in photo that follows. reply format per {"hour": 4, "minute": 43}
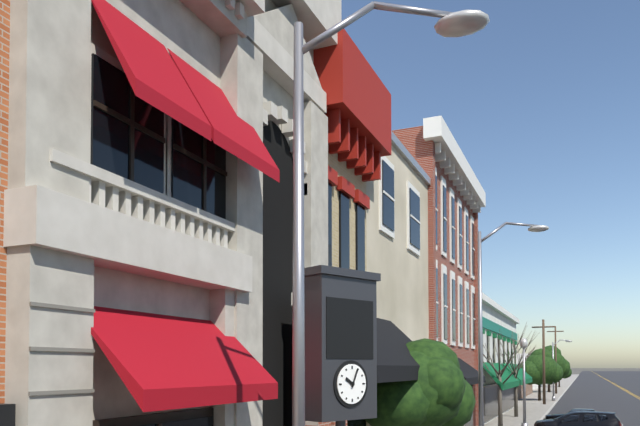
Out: {"hour": 10, "minute": 4}
